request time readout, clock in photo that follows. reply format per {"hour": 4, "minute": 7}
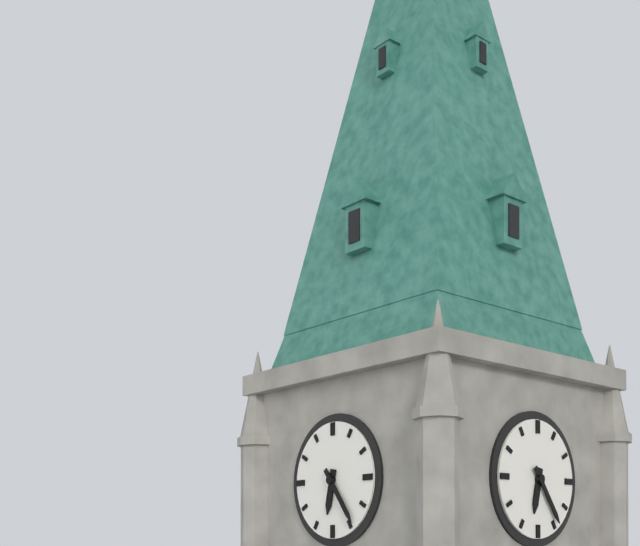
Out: {"hour": 6, "minute": 24}
